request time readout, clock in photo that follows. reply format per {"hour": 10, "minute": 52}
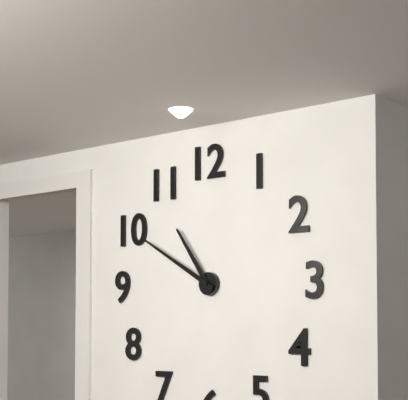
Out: {"hour": 10, "minute": 50}
